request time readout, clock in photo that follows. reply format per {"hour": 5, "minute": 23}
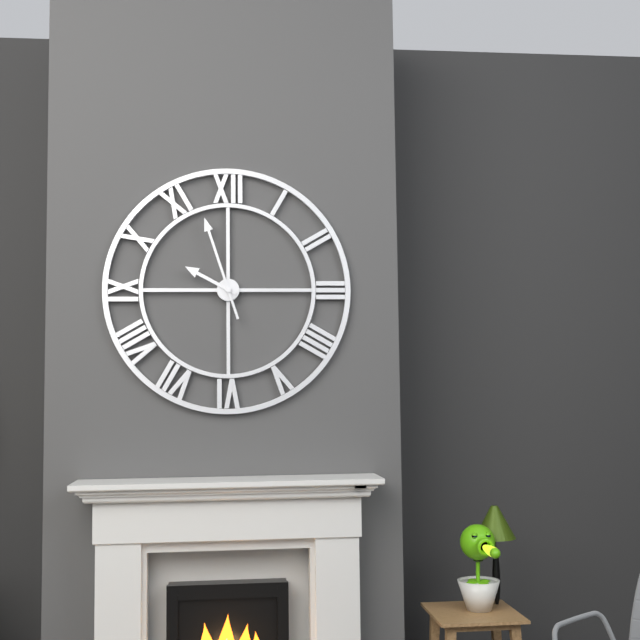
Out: {"hour": 9, "minute": 57}
